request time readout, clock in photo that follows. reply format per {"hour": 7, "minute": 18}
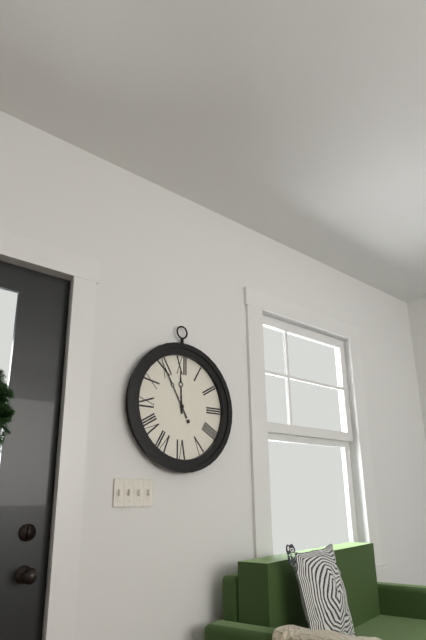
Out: {"hour": 11, "minute": 55}
